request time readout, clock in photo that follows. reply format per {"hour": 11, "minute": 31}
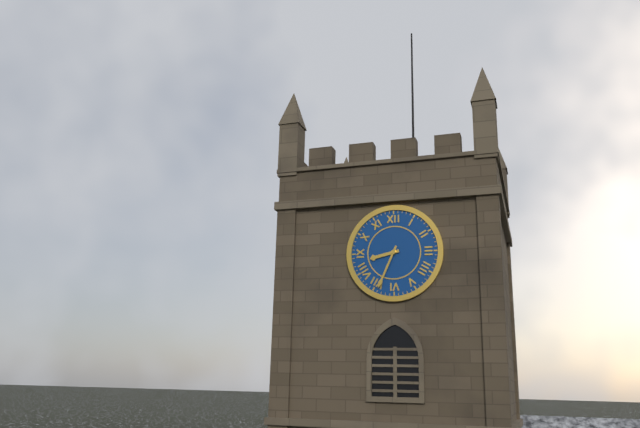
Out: {"hour": 8, "minute": 34}
